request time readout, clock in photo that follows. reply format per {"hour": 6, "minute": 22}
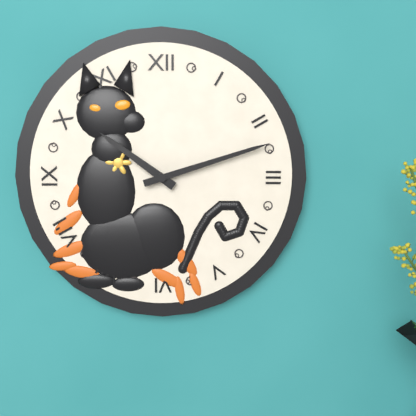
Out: {"hour": 10, "minute": 12}
